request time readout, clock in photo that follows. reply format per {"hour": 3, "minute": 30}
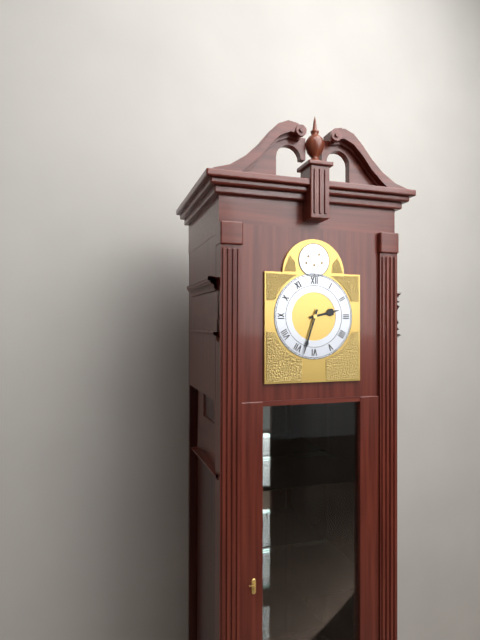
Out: {"hour": 2, "minute": 33}
